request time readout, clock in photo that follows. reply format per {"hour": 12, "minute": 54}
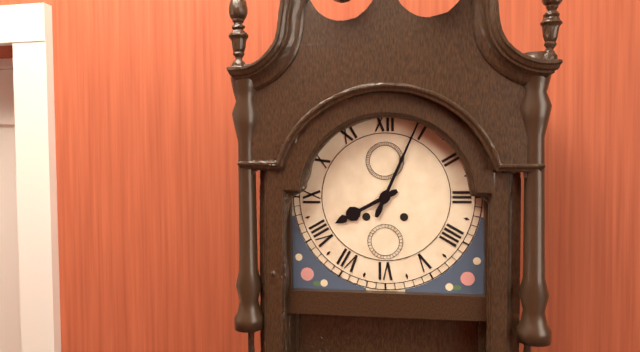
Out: {"hour": 8, "minute": 4}
